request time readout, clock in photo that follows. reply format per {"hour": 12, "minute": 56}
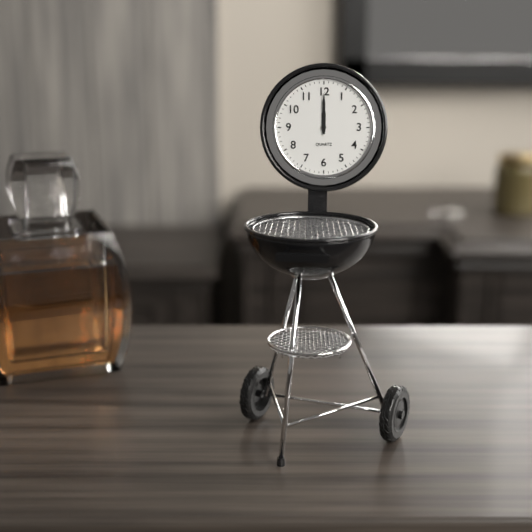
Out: {"hour": 12, "minute": 0}
